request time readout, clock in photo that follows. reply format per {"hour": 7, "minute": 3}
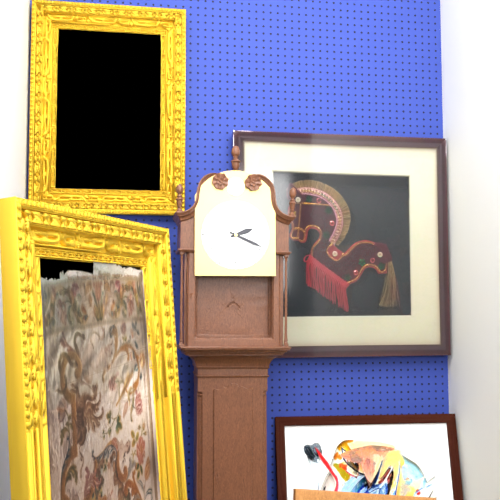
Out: {"hour": 2, "minute": 19}
